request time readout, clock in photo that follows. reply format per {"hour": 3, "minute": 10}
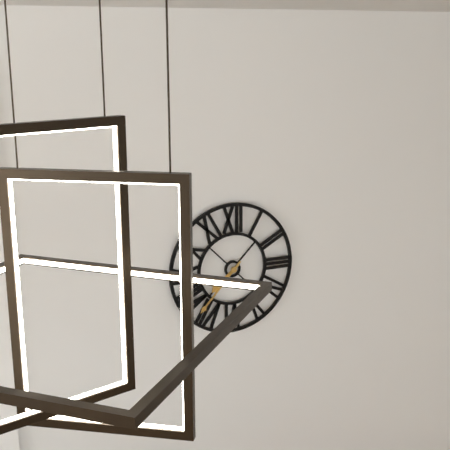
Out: {"hour": 7, "minute": 37}
